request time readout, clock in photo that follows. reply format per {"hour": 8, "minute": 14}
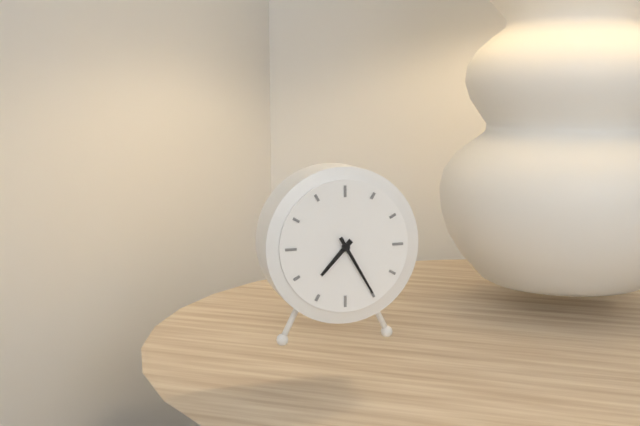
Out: {"hour": 7, "minute": 25}
